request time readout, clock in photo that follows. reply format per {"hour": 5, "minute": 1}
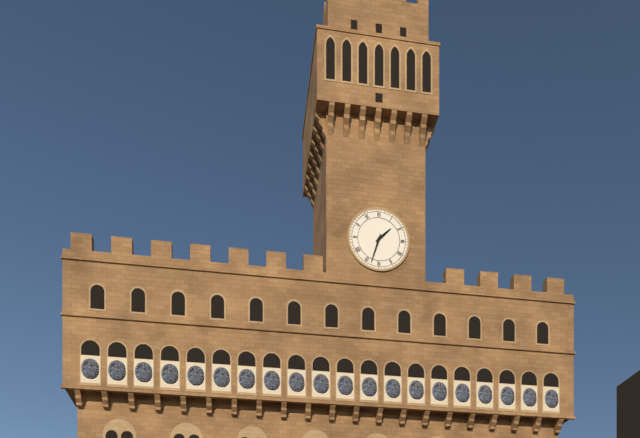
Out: {"hour": 1, "minute": 33}
